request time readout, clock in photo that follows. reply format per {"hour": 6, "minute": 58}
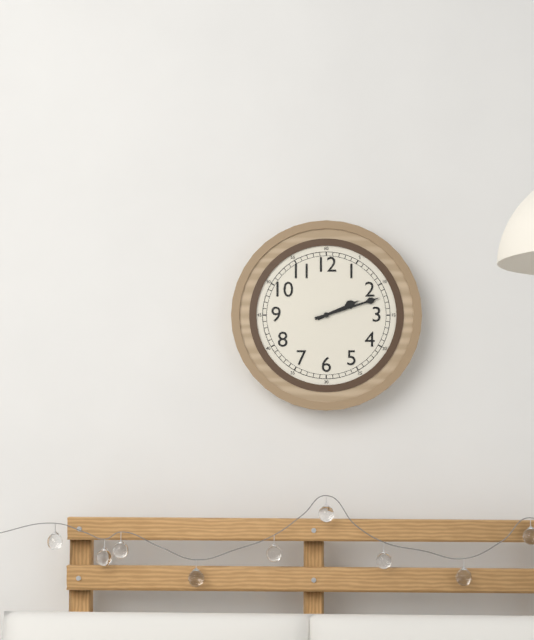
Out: {"hour": 2, "minute": 12}
